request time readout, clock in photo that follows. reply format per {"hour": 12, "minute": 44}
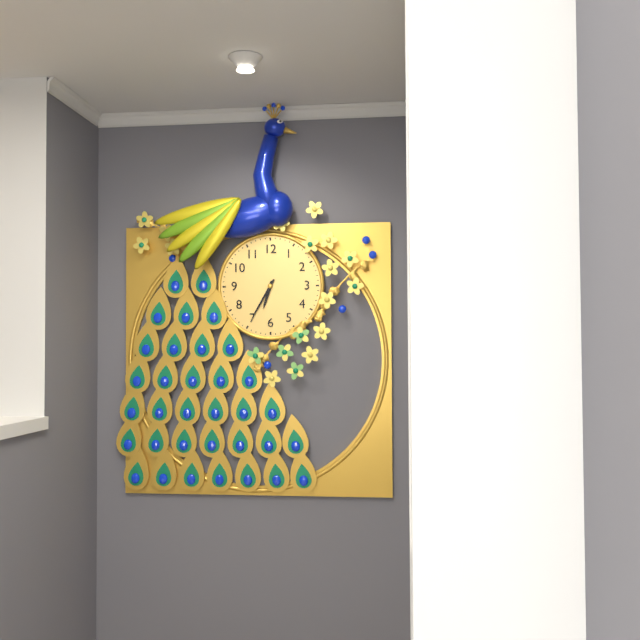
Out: {"hour": 6, "minute": 35}
